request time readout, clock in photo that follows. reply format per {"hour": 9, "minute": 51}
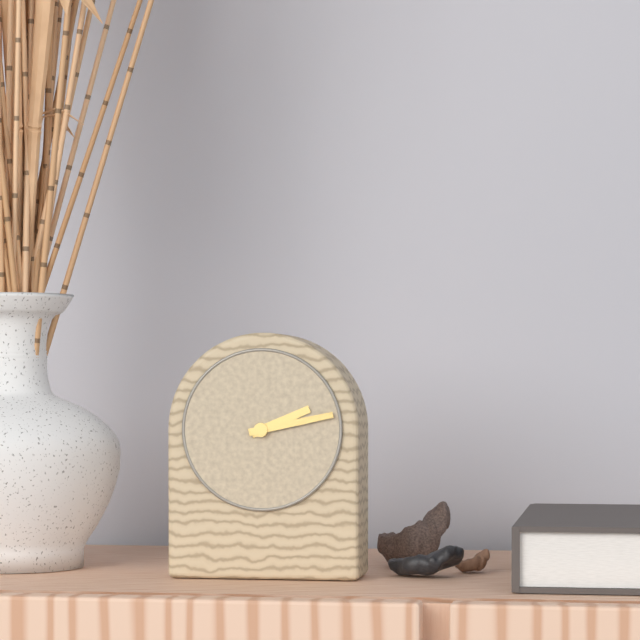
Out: {"hour": 2, "minute": 13}
